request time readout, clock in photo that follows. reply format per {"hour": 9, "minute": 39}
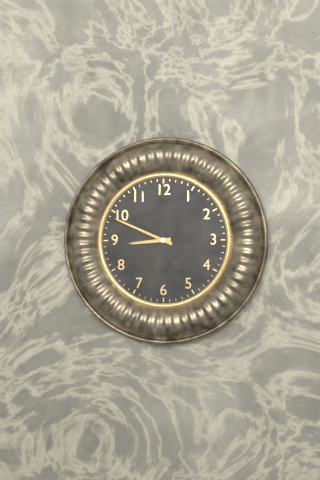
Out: {"hour": 8, "minute": 49}
